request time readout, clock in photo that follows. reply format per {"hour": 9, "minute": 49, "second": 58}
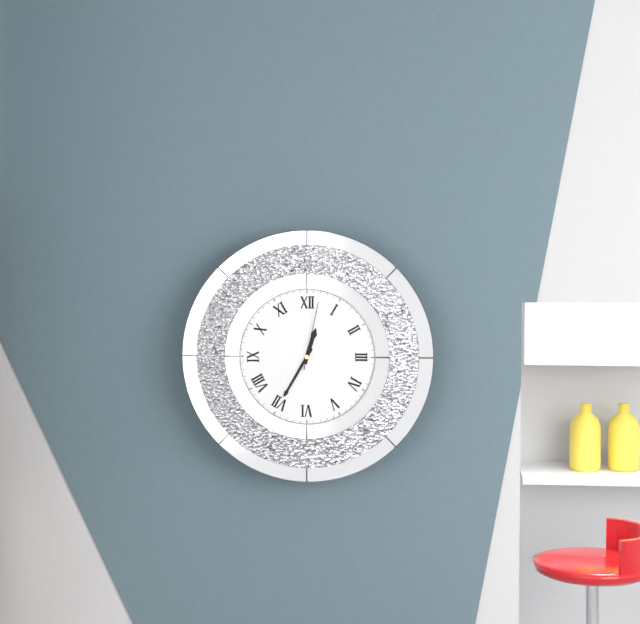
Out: {"hour": 12, "minute": 35, "second": 2}
